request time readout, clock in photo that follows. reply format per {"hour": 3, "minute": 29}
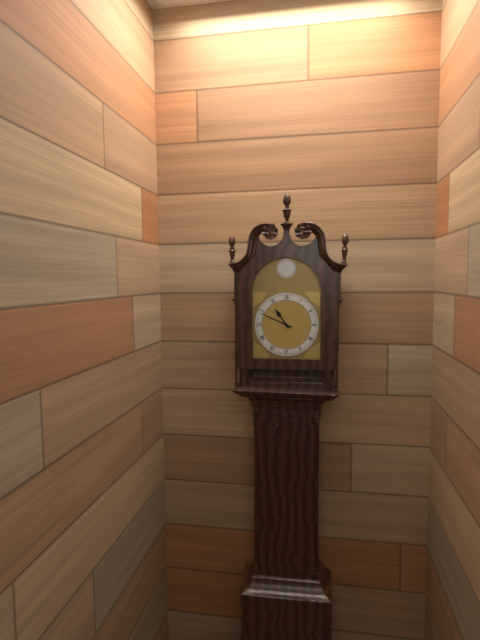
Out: {"hour": 10, "minute": 49}
